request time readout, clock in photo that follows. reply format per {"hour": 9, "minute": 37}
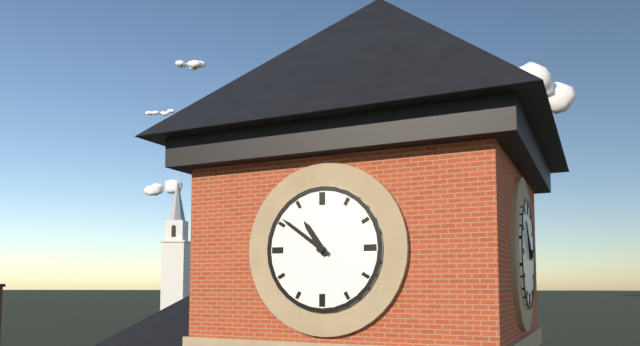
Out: {"hour": 10, "minute": 51}
